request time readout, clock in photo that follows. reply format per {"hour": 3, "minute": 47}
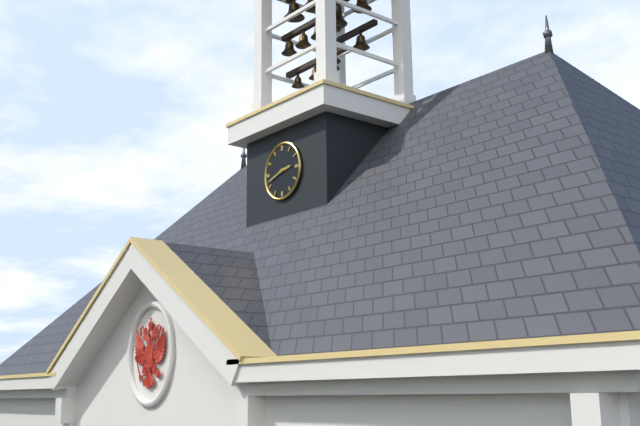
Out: {"hour": 2, "minute": 42}
